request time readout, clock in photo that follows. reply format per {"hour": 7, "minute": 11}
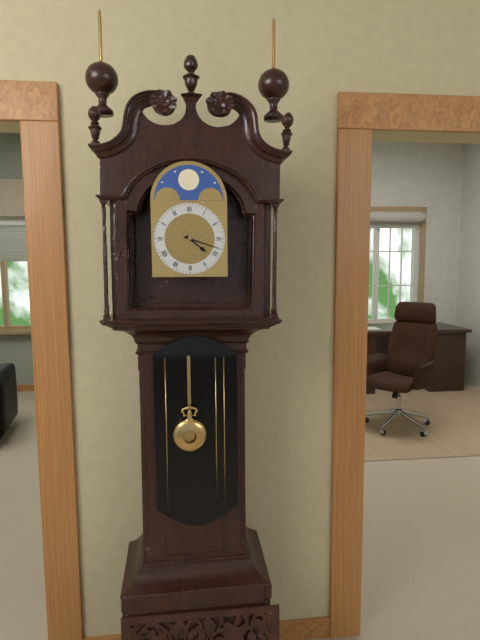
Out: {"hour": 4, "minute": 18}
